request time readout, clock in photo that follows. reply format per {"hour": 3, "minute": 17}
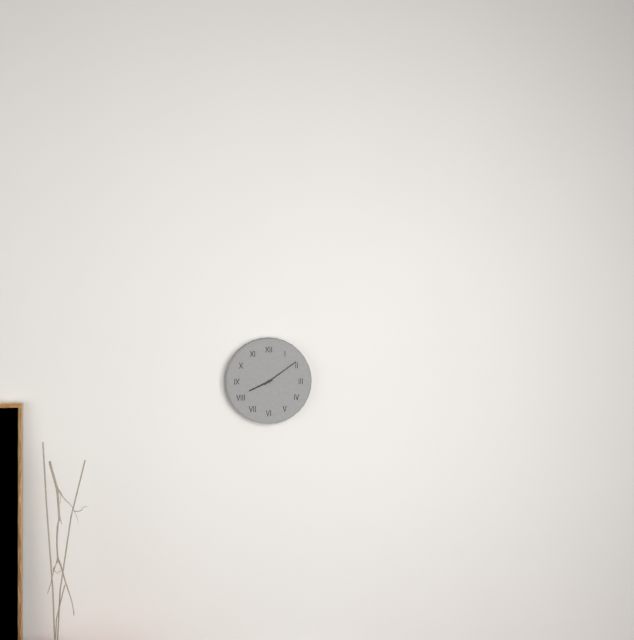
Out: {"hour": 8, "minute": 9}
